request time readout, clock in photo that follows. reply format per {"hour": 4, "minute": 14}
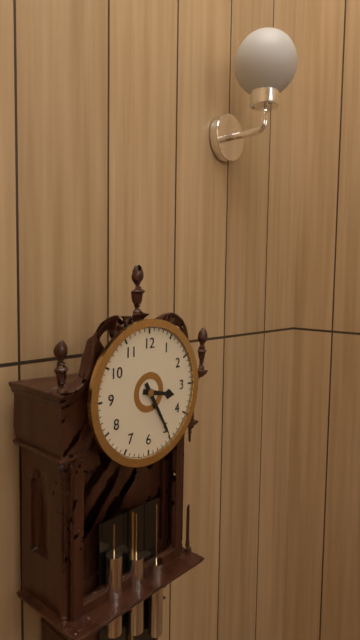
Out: {"hour": 3, "minute": 25}
